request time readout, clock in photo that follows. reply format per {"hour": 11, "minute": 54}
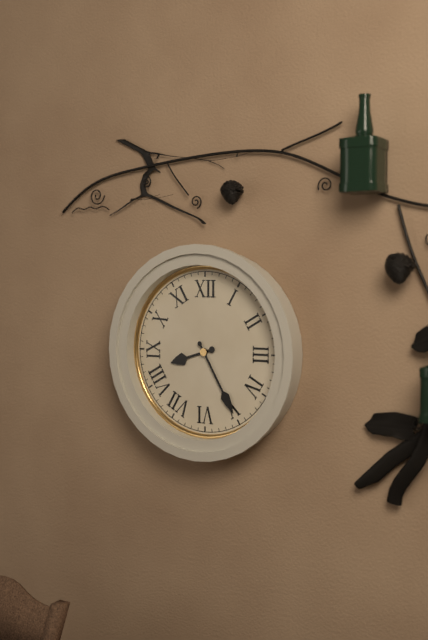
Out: {"hour": 8, "minute": 25}
